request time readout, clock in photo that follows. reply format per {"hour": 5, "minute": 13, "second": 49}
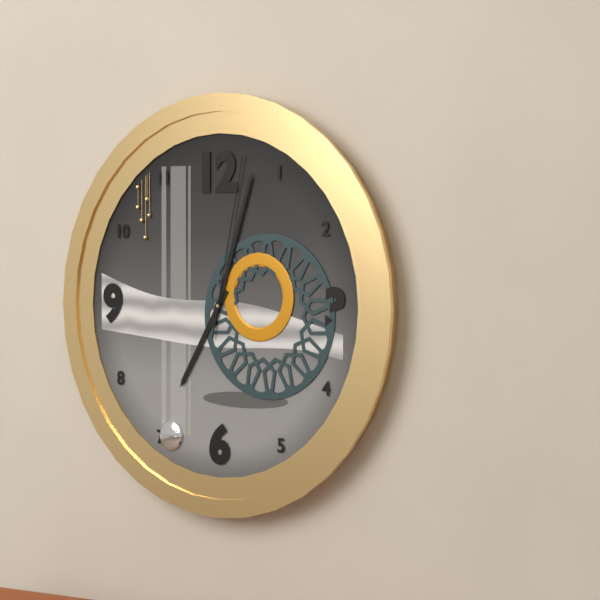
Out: {"hour": 7, "minute": 3, "second": 2}
